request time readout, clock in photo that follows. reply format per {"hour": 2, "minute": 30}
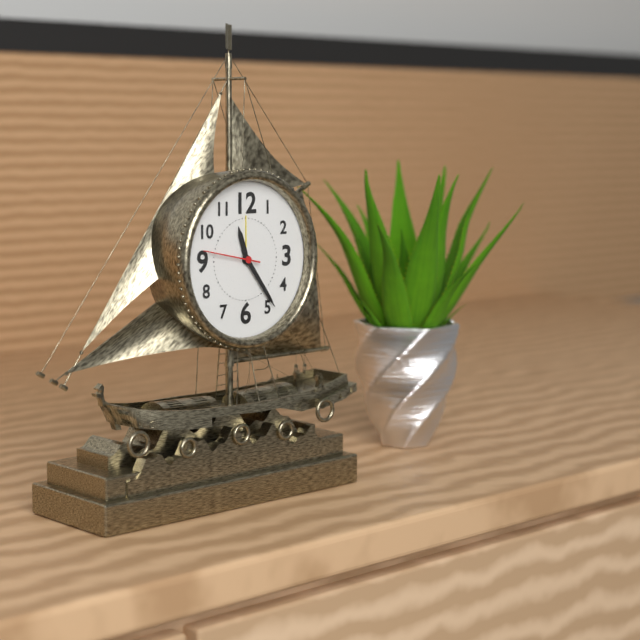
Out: {"hour": 11, "minute": 24}
